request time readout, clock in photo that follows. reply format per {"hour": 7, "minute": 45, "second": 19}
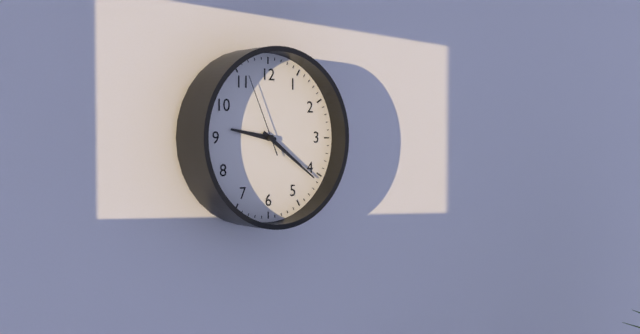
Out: {"hour": 9, "minute": 21, "second": 56}
